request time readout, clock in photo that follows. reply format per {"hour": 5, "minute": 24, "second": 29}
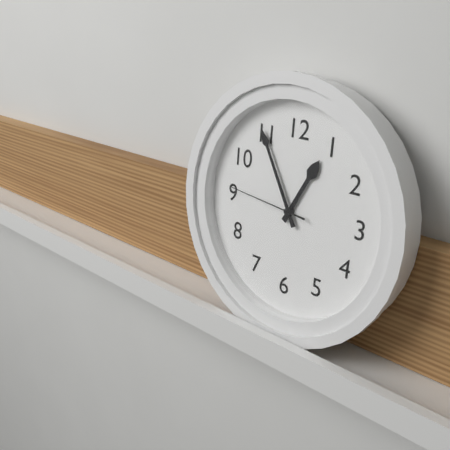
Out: {"hour": 12, "minute": 55, "second": 46}
